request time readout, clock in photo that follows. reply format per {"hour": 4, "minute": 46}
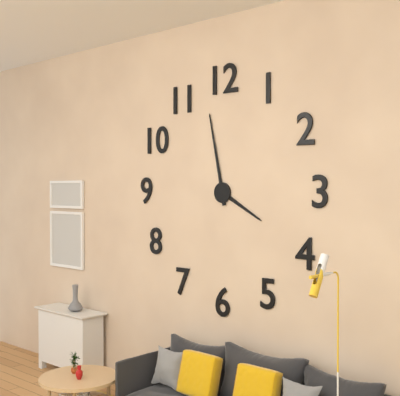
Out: {"hour": 3, "minute": 58}
